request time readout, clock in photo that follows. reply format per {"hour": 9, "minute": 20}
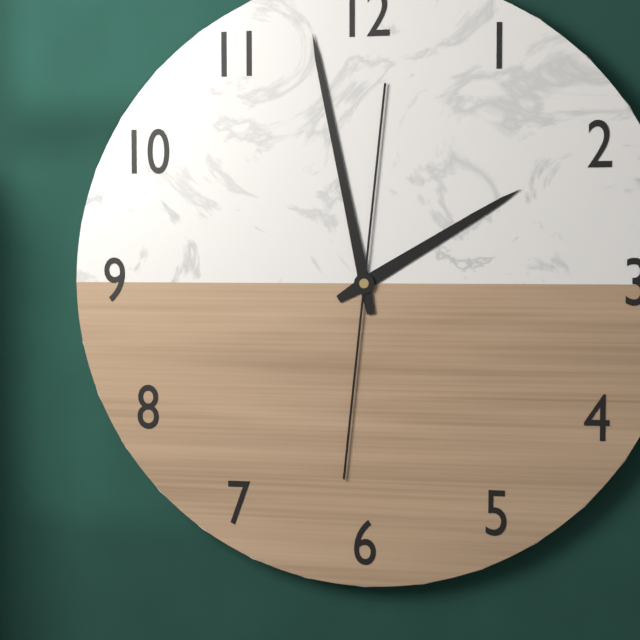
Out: {"hour": 1, "minute": 58}
